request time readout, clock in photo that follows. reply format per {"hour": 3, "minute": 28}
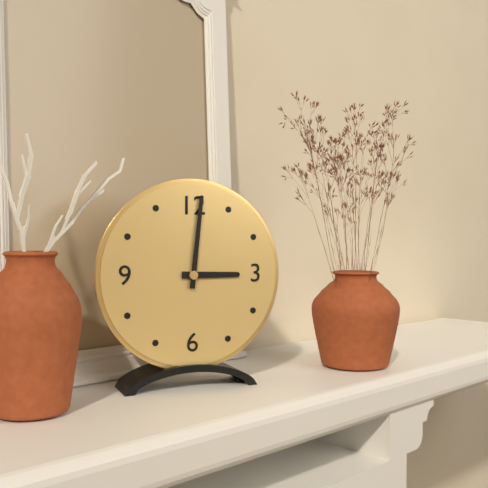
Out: {"hour": 3, "minute": 1}
